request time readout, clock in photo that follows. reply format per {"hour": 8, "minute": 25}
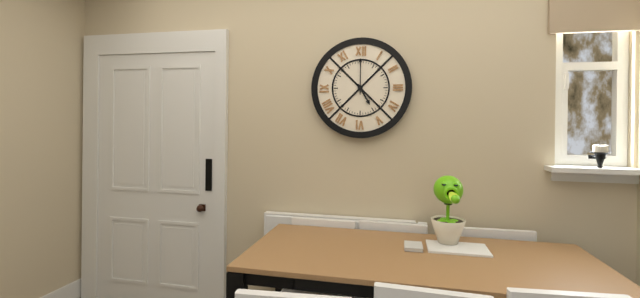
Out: {"hour": 5, "minute": 0}
